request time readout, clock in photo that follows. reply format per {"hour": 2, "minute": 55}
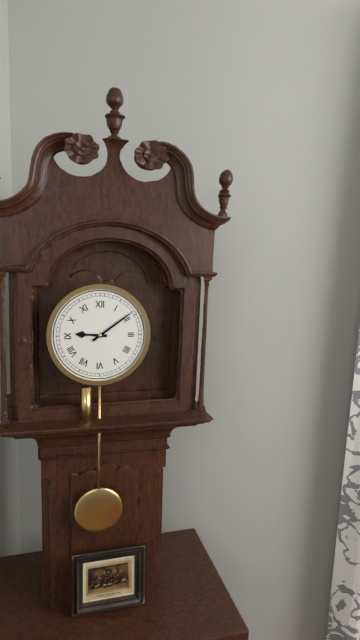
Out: {"hour": 9, "minute": 9}
